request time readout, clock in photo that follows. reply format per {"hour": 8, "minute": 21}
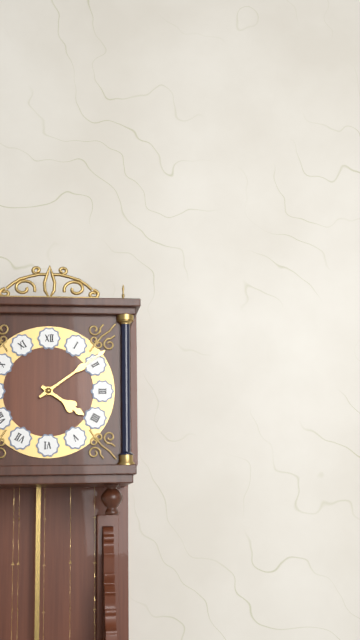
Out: {"hour": 4, "minute": 9}
